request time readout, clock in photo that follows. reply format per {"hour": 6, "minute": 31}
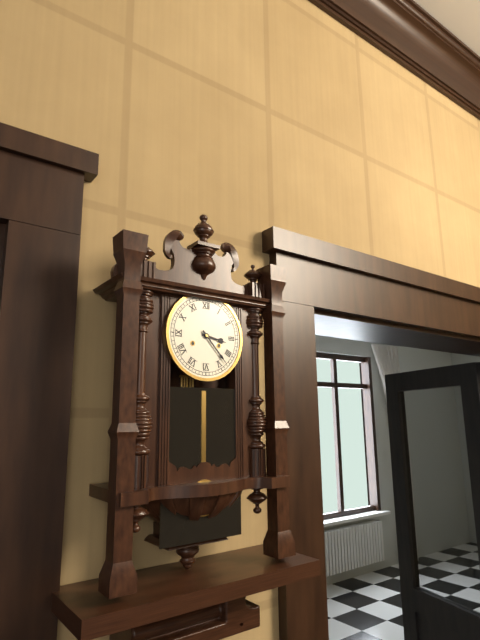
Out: {"hour": 3, "minute": 23}
